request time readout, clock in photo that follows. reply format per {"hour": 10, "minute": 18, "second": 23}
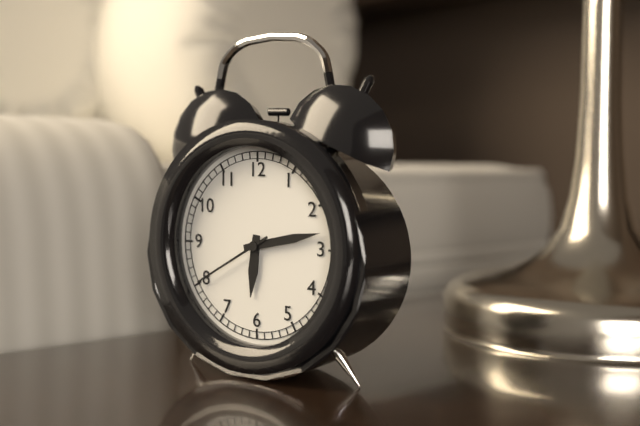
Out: {"hour": 6, "minute": 13, "second": 40}
